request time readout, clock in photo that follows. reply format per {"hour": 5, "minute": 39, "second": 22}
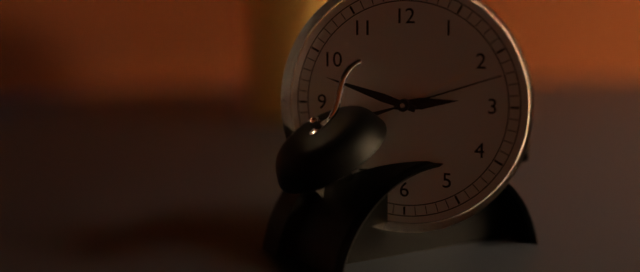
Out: {"hour": 2, "minute": 48, "second": 12}
